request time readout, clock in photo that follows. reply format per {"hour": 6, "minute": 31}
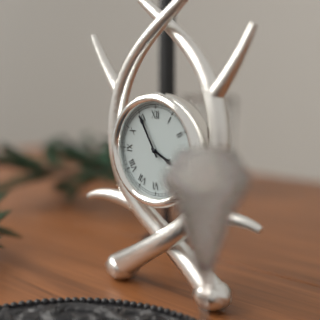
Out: {"hour": 3, "minute": 55}
